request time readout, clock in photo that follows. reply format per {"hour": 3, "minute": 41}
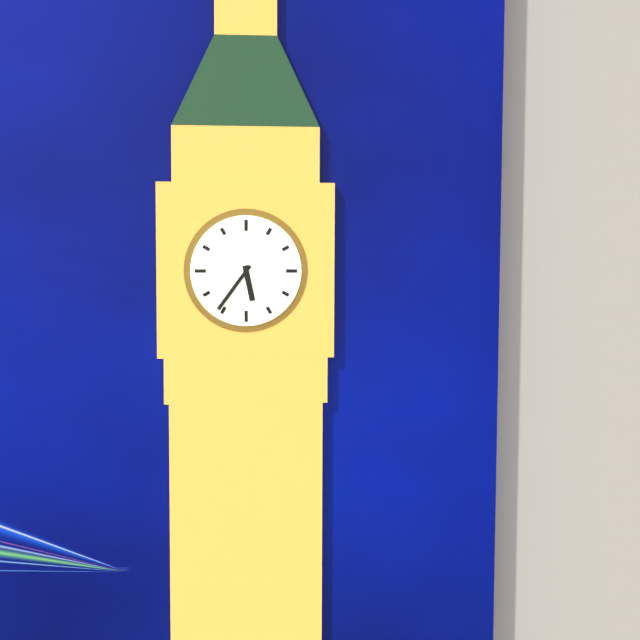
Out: {"hour": 5, "minute": 36}
